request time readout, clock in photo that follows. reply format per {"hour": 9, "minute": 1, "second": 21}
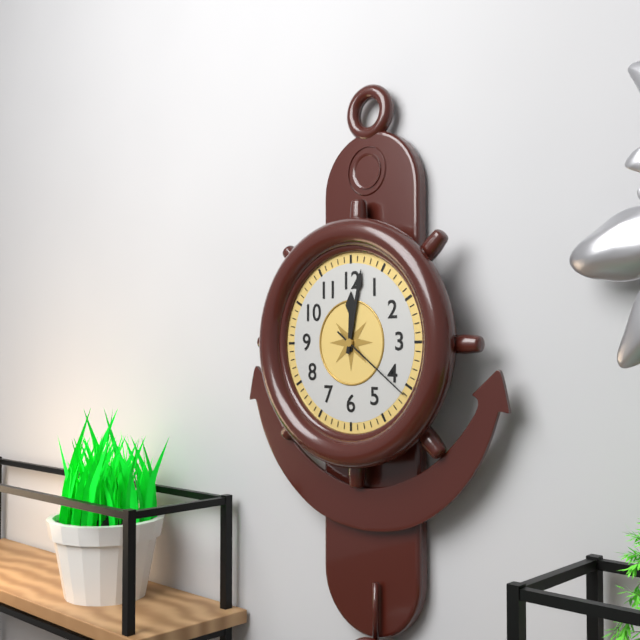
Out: {"hour": 12, "minute": 2, "second": 21}
